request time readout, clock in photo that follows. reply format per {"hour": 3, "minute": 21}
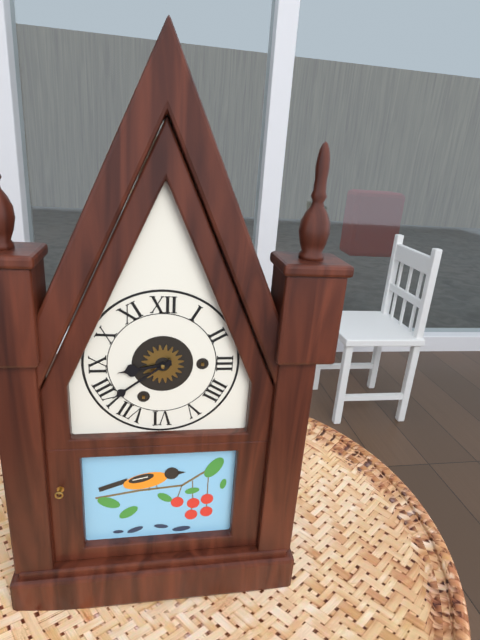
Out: {"hour": 8, "minute": 39}
